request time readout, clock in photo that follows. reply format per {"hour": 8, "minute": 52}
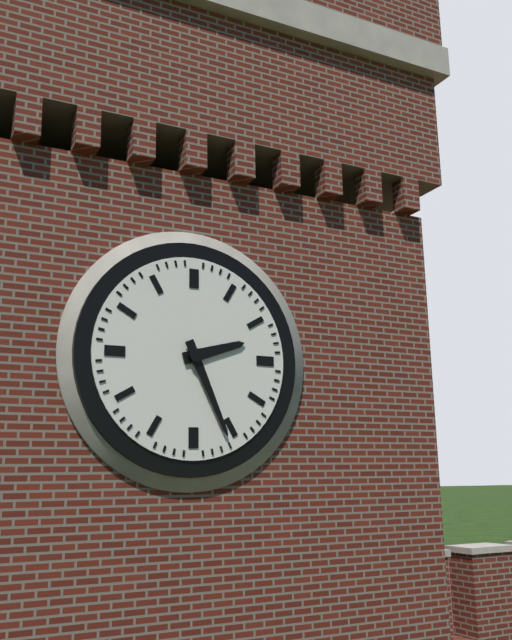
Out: {"hour": 2, "minute": 26}
